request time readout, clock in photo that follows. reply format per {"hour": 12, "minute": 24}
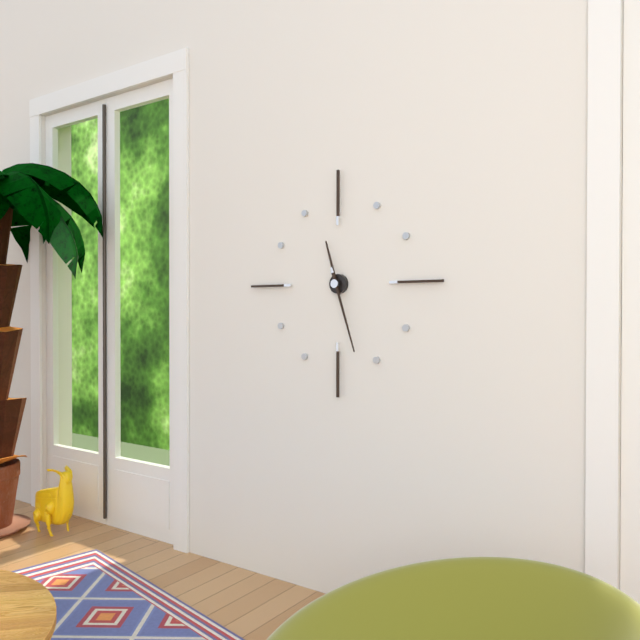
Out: {"hour": 11, "minute": 27}
